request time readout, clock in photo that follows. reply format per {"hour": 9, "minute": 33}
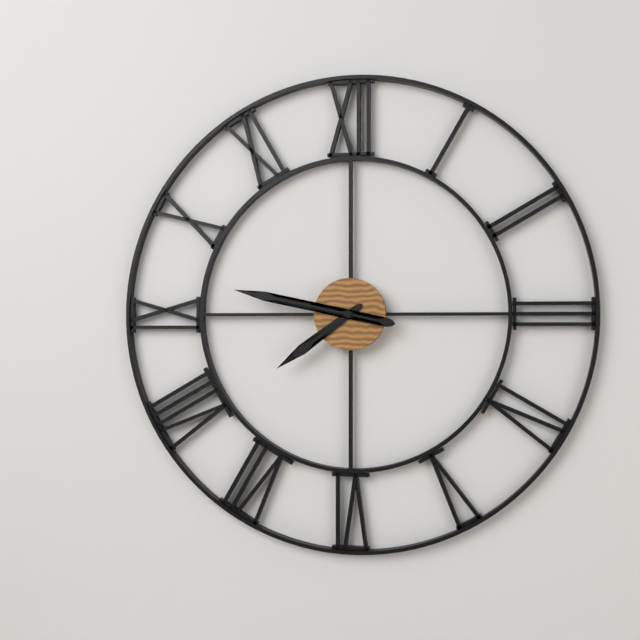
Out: {"hour": 7, "minute": 47}
